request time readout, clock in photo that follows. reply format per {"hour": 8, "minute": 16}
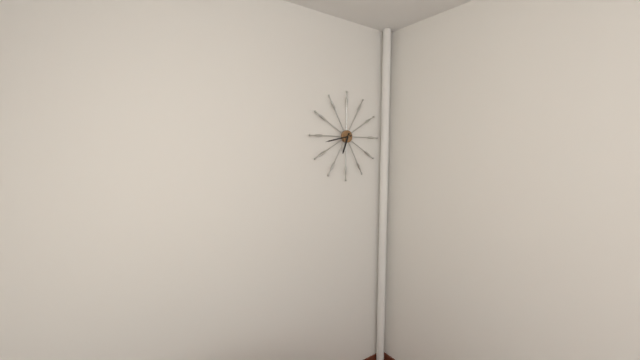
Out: {"hour": 6, "minute": 43}
